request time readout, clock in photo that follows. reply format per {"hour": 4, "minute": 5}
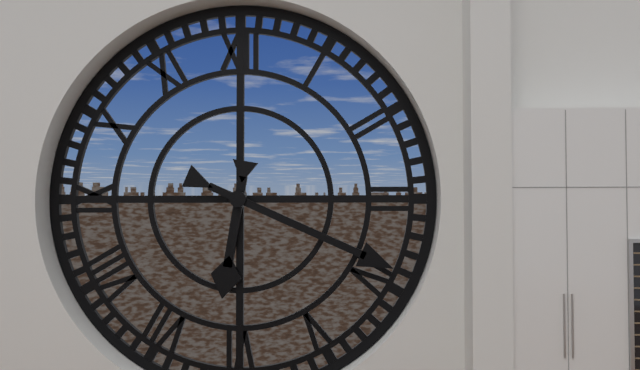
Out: {"hour": 6, "minute": 19}
